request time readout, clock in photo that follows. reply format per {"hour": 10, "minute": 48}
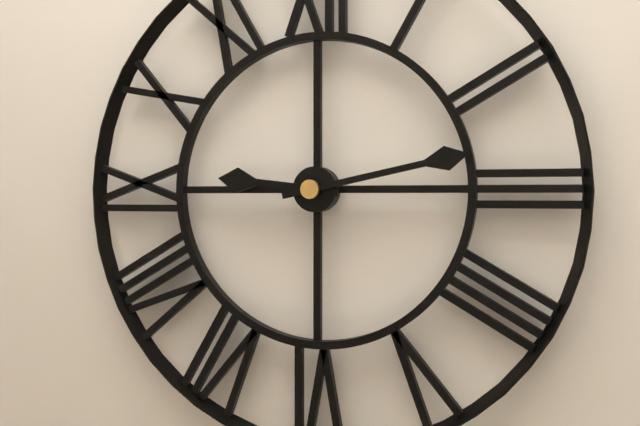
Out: {"hour": 9, "minute": 13}
